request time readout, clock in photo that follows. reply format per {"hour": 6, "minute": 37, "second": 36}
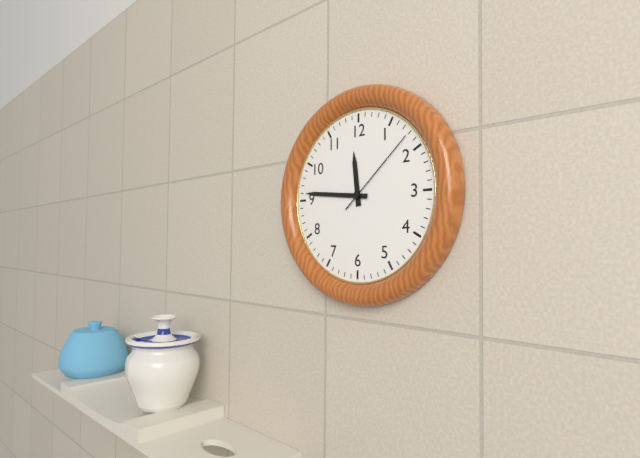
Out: {"hour": 11, "minute": 46, "second": 8}
